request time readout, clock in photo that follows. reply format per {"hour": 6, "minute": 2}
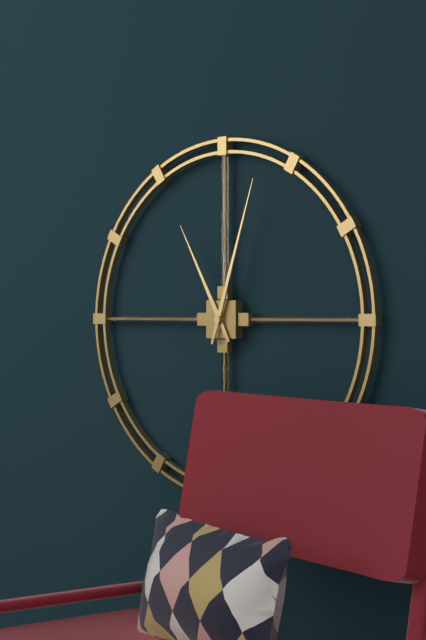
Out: {"hour": 11, "minute": 3}
